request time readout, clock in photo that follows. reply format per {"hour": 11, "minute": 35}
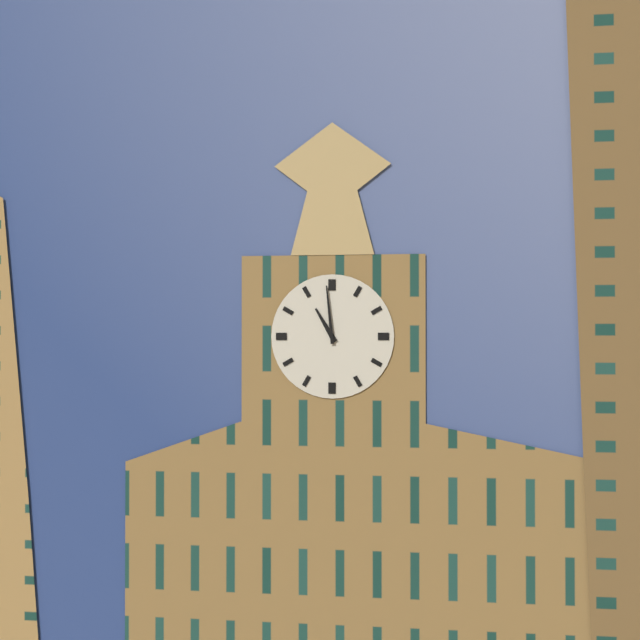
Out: {"hour": 10, "minute": 59}
